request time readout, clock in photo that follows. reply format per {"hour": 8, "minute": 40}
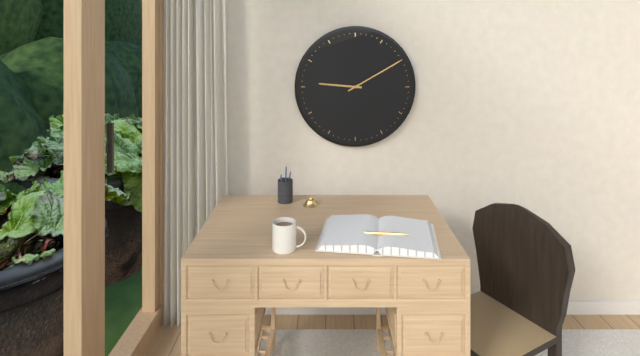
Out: {"hour": 9, "minute": 10}
